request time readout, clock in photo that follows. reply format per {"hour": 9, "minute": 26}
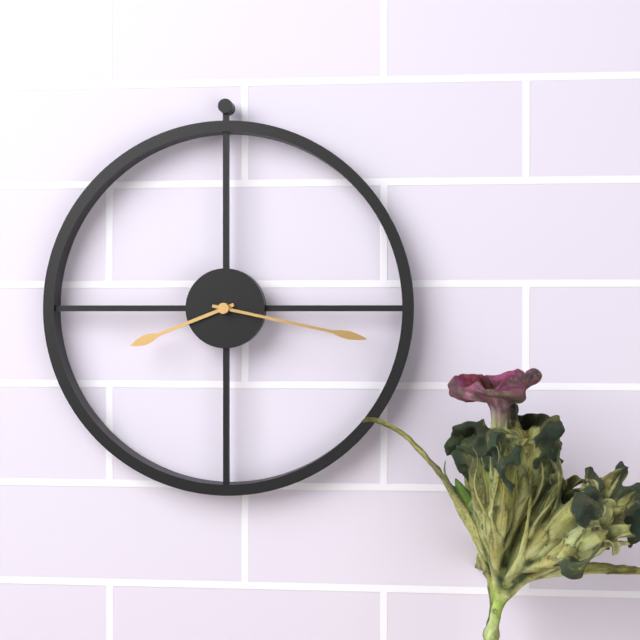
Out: {"hour": 8, "minute": 17}
